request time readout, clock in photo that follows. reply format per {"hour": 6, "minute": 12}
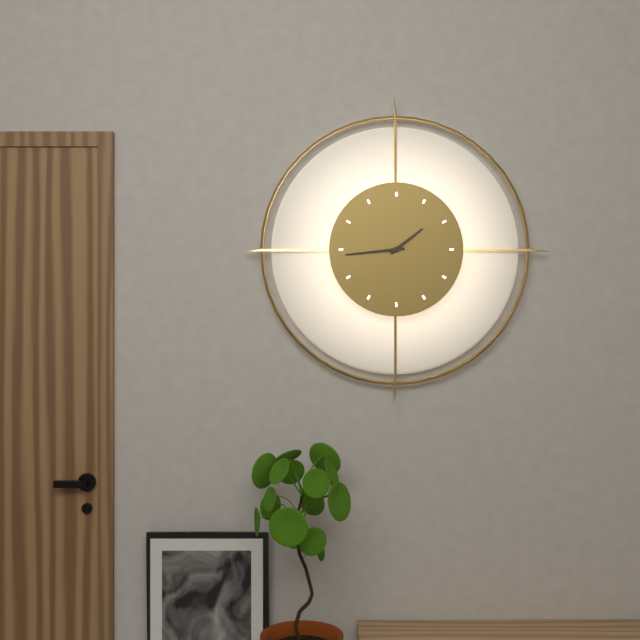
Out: {"hour": 1, "minute": 44}
